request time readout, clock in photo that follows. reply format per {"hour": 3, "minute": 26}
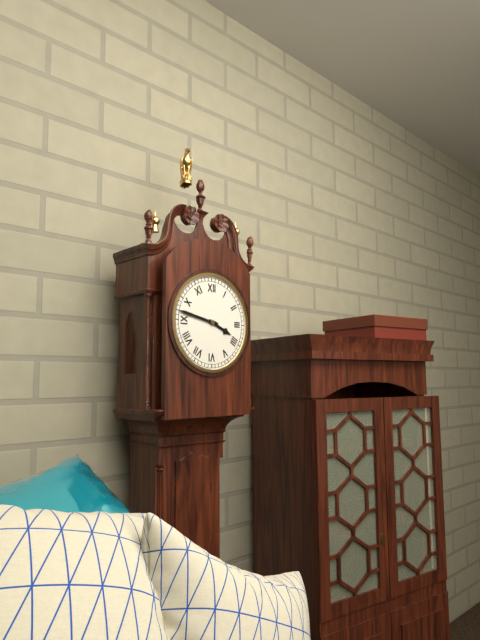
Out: {"hour": 3, "minute": 47}
